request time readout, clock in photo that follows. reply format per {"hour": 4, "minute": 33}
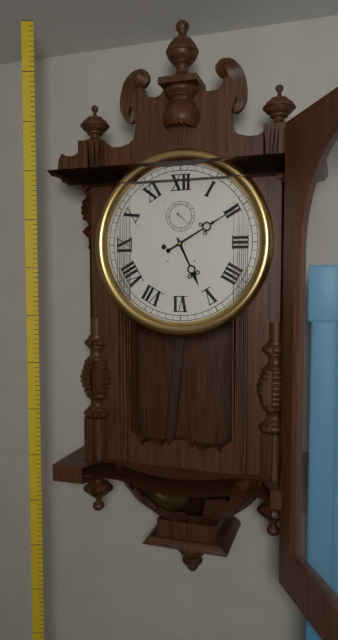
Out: {"hour": 5, "minute": 10}
